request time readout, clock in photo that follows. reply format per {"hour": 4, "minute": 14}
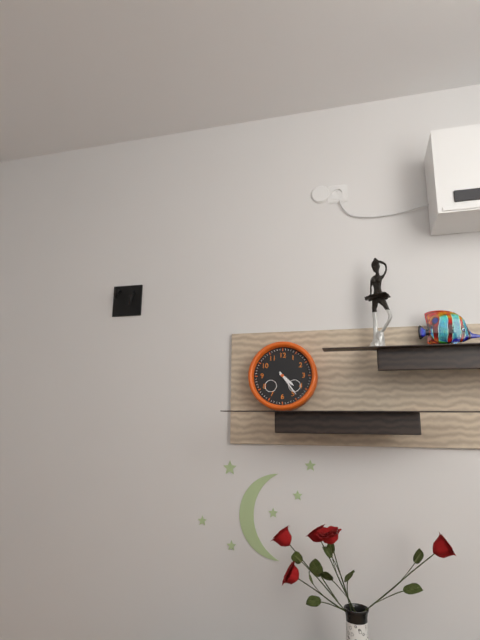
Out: {"hour": 4, "minute": 24}
